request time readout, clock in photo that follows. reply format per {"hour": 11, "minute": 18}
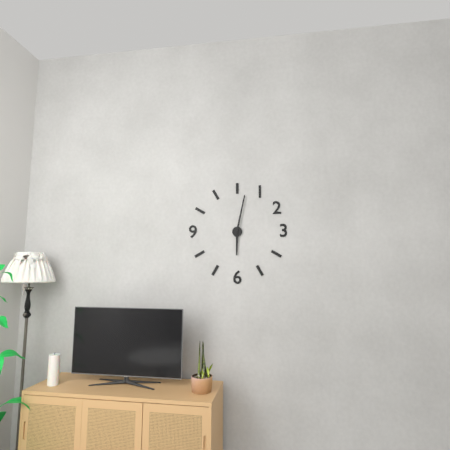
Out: {"hour": 6, "minute": 2}
